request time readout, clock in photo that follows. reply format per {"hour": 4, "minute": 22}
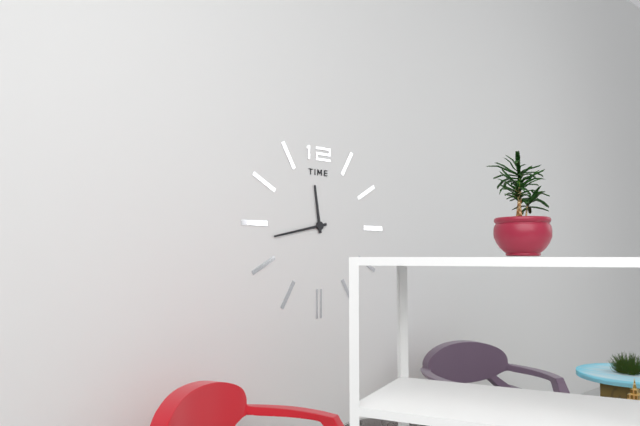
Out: {"hour": 11, "minute": 43}
